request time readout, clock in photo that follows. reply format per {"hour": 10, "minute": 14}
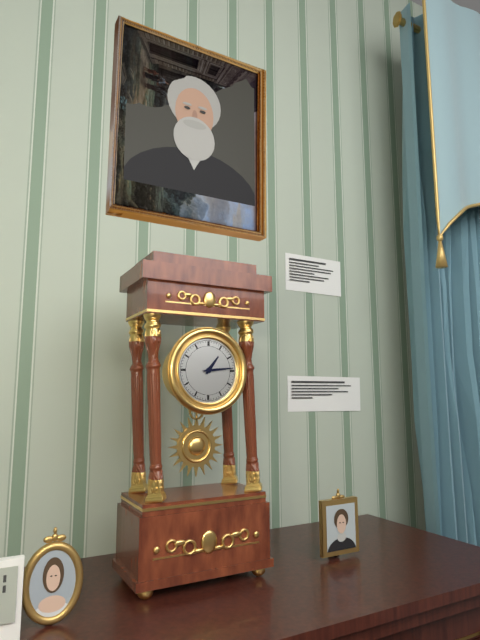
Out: {"hour": 1, "minute": 14}
